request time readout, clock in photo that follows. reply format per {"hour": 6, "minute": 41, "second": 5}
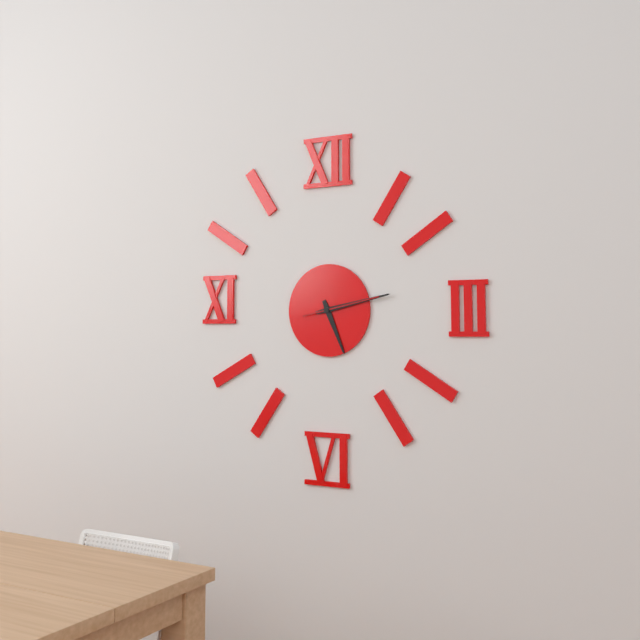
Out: {"hour": 5, "minute": 13, "second": 13}
